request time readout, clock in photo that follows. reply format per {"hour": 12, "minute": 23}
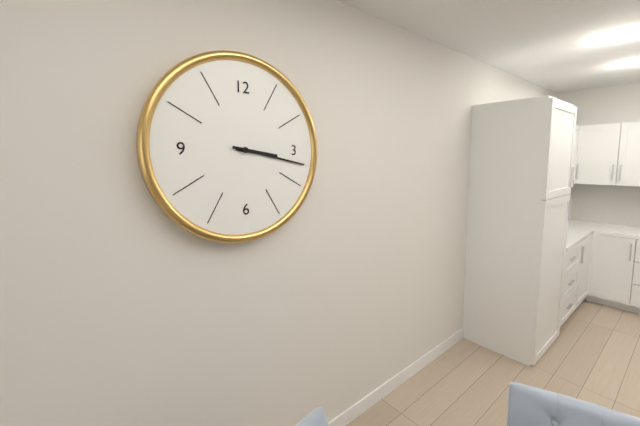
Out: {"hour": 3, "minute": 17}
